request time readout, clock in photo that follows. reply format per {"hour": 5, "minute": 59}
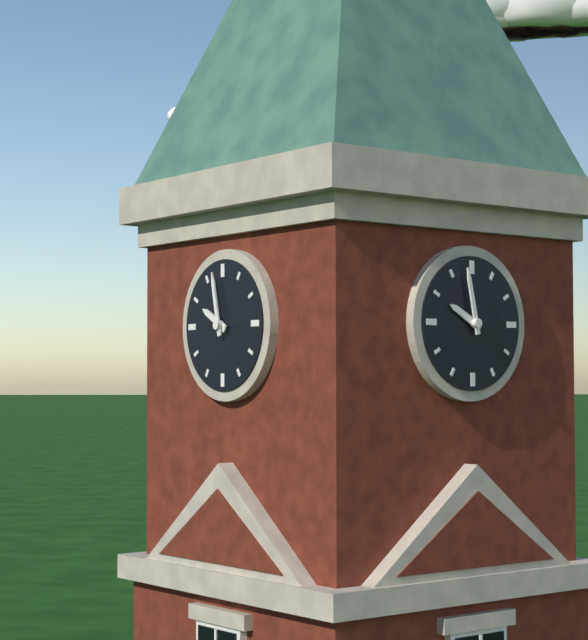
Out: {"hour": 9, "minute": 58}
